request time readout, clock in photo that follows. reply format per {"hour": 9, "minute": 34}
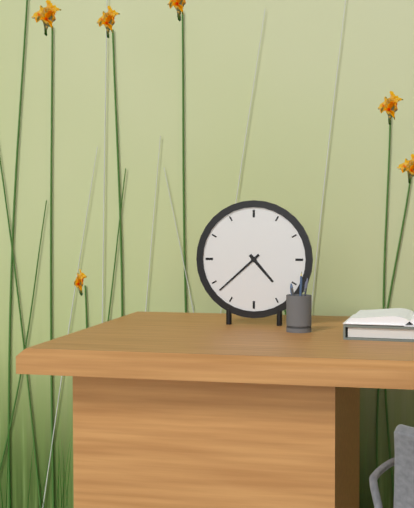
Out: {"hour": 4, "minute": 38}
